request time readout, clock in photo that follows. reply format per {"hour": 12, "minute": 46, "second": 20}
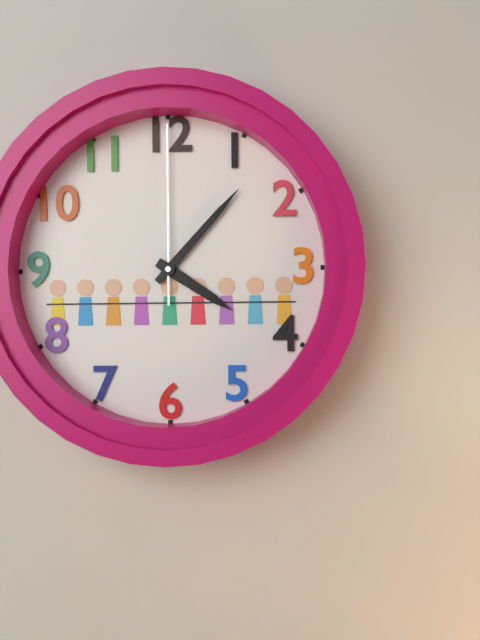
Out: {"hour": 4, "minute": 7, "second": 0}
